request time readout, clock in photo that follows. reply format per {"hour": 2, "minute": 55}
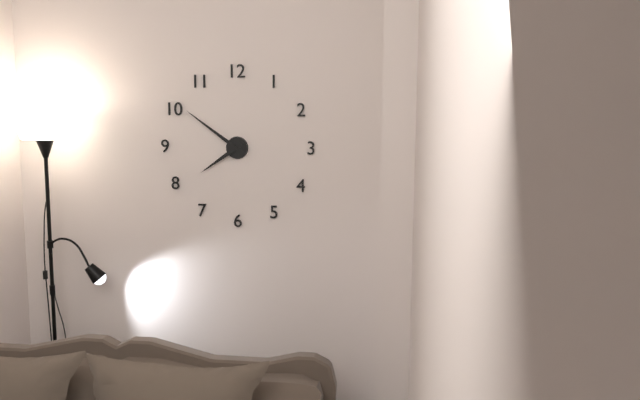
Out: {"hour": 7, "minute": 51}
